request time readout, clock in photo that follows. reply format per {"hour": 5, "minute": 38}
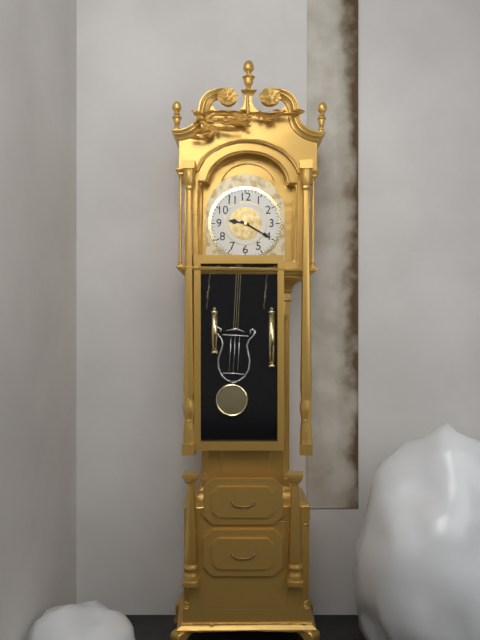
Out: {"hour": 9, "minute": 20}
